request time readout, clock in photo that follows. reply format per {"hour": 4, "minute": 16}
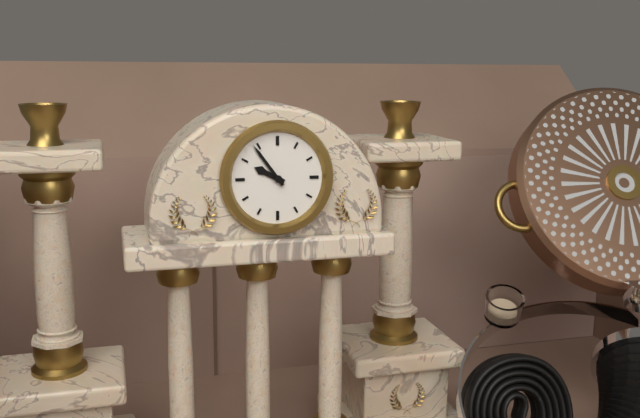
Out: {"hour": 9, "minute": 54}
